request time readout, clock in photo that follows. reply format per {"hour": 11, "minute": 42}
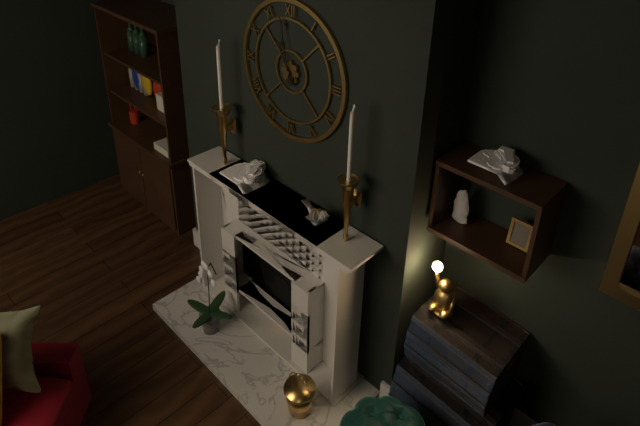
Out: {"hour": 10, "minute": 58}
